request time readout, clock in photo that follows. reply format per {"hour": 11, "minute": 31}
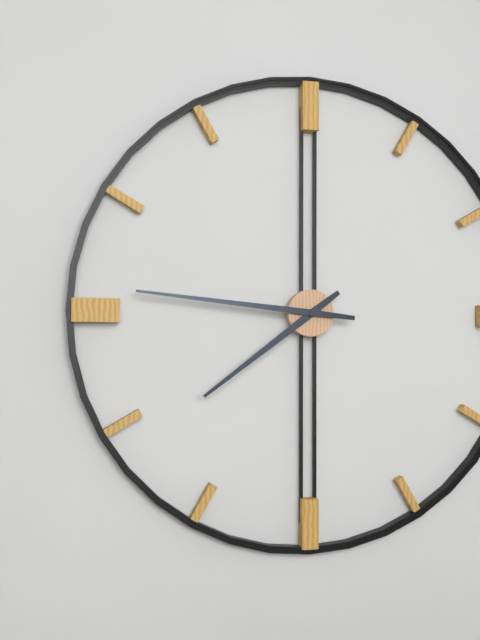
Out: {"hour": 7, "minute": 46}
